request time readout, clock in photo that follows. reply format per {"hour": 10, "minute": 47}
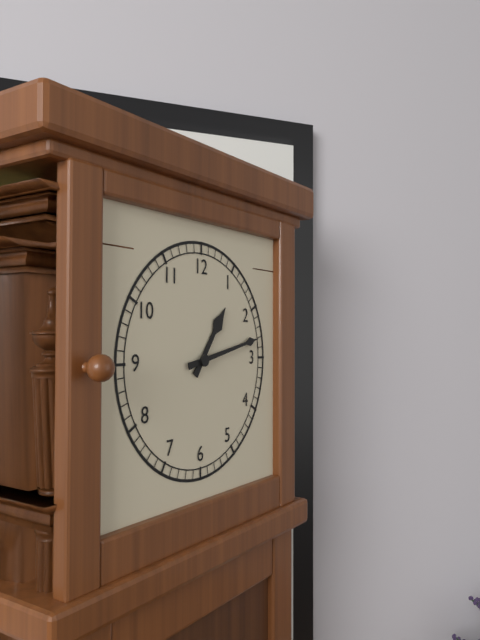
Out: {"hour": 1, "minute": 13}
